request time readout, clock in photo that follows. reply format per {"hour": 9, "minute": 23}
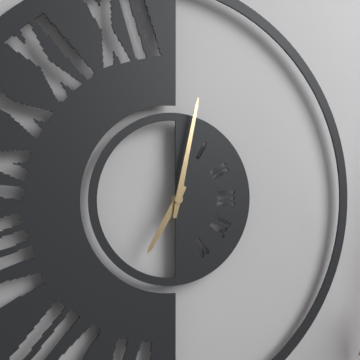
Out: {"hour": 7, "minute": 2}
